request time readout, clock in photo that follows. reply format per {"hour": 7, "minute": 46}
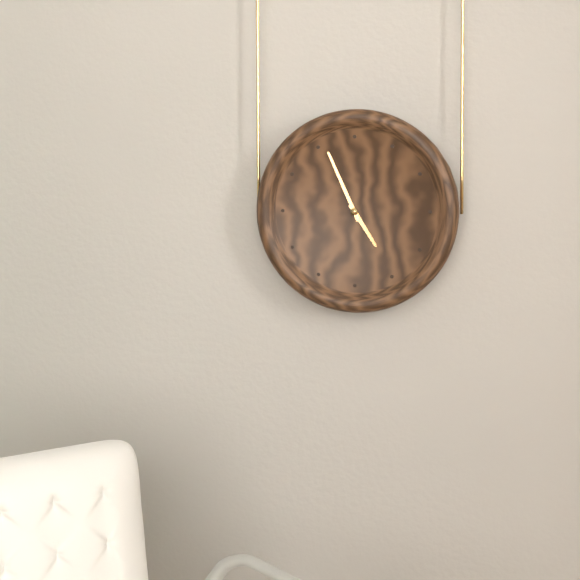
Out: {"hour": 4, "minute": 56}
